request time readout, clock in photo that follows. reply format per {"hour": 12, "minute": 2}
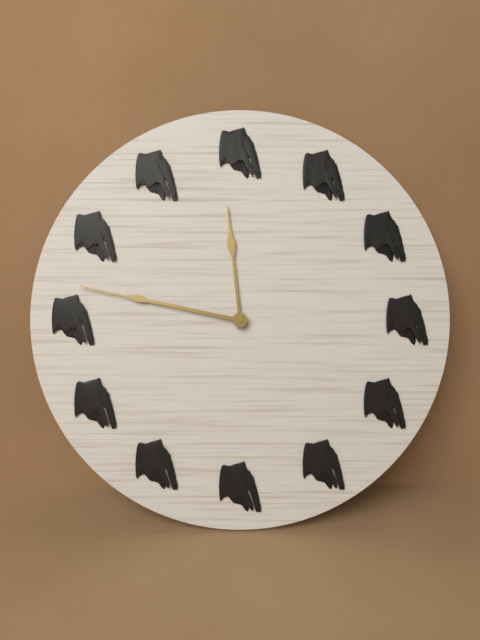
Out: {"hour": 11, "minute": 47}
